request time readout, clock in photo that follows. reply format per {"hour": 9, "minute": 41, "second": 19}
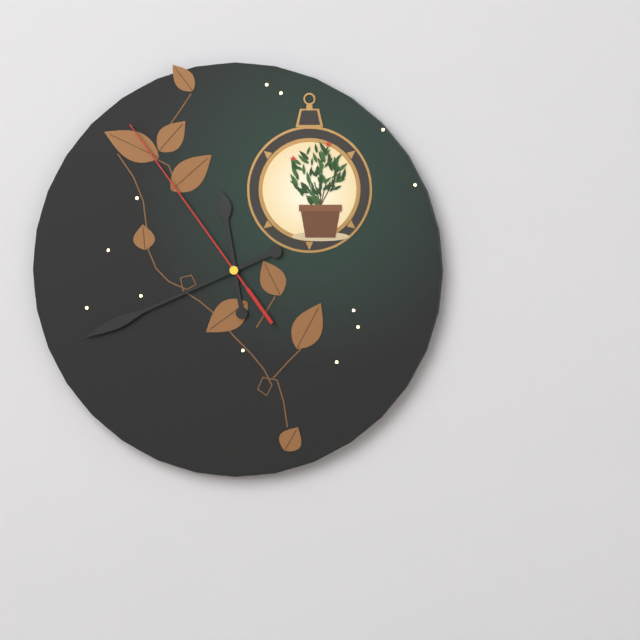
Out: {"hour": 11, "minute": 41, "second": 54}
